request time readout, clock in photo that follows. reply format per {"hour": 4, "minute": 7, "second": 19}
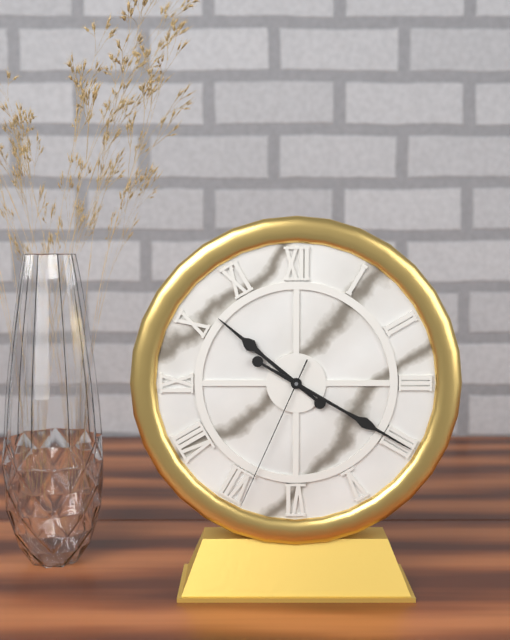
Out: {"hour": 10, "minute": 20, "second": 34}
